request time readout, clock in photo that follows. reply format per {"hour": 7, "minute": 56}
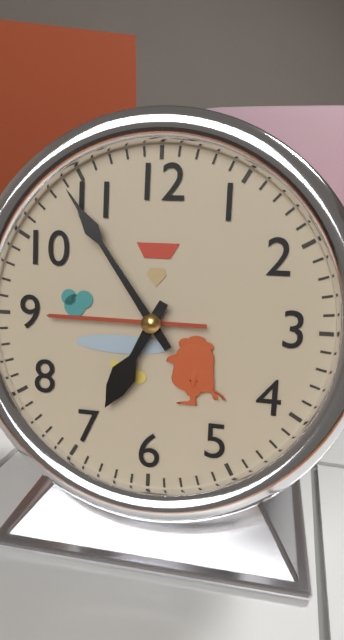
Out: {"hour": 6, "minute": 54}
